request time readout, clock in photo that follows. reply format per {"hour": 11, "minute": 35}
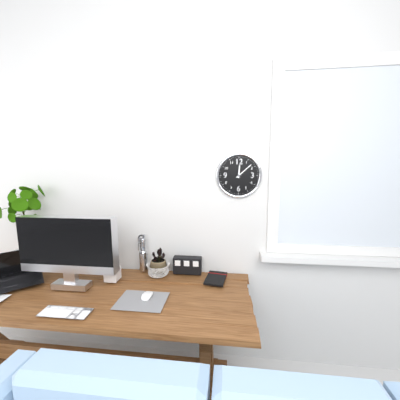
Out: {"hour": 12, "minute": 8}
